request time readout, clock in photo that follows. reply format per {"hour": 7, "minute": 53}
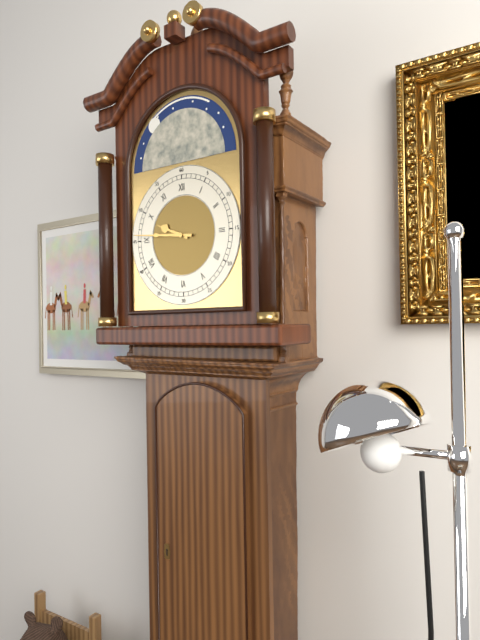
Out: {"hour": 9, "minute": 46}
